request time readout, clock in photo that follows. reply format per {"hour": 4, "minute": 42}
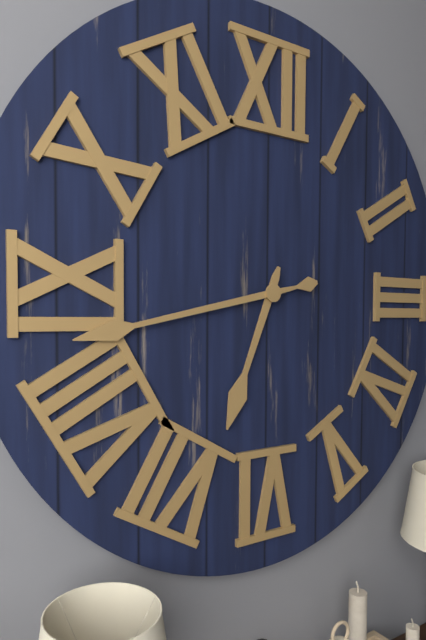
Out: {"hour": 6, "minute": 43}
